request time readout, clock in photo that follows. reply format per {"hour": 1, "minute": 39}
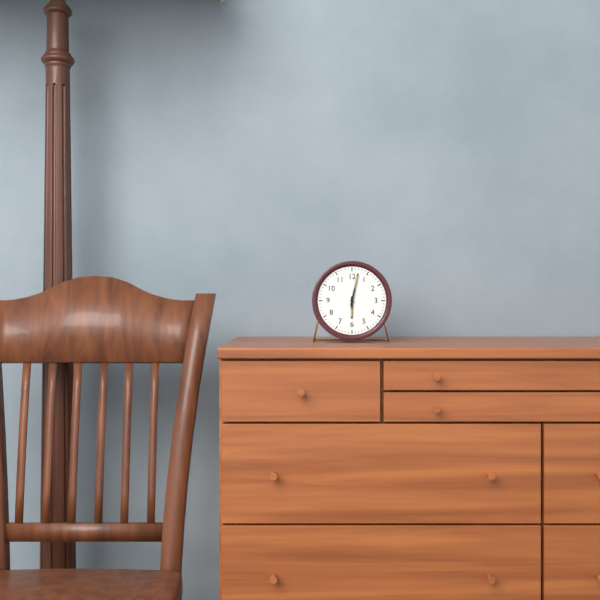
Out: {"hour": 6, "minute": 2}
